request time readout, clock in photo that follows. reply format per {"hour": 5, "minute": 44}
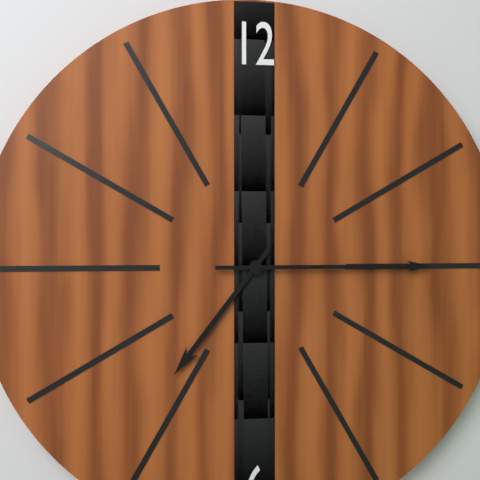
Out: {"hour": 7, "minute": 15}
